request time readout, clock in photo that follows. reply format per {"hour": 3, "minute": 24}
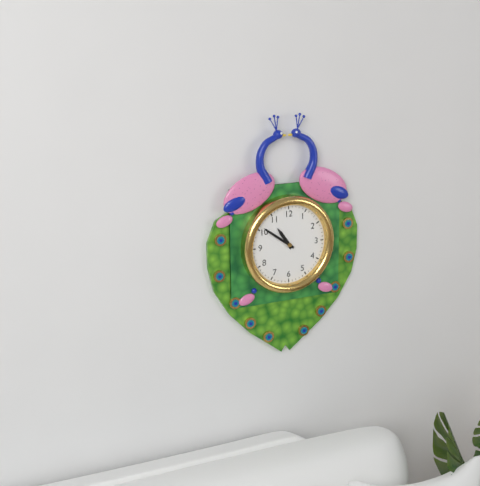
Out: {"hour": 10, "minute": 51}
